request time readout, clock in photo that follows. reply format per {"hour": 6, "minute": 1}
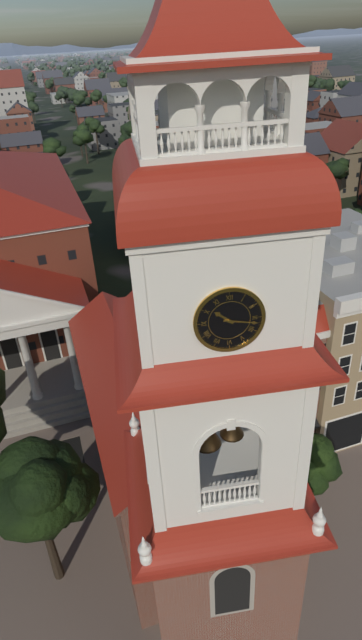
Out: {"hour": 10, "minute": 17}
